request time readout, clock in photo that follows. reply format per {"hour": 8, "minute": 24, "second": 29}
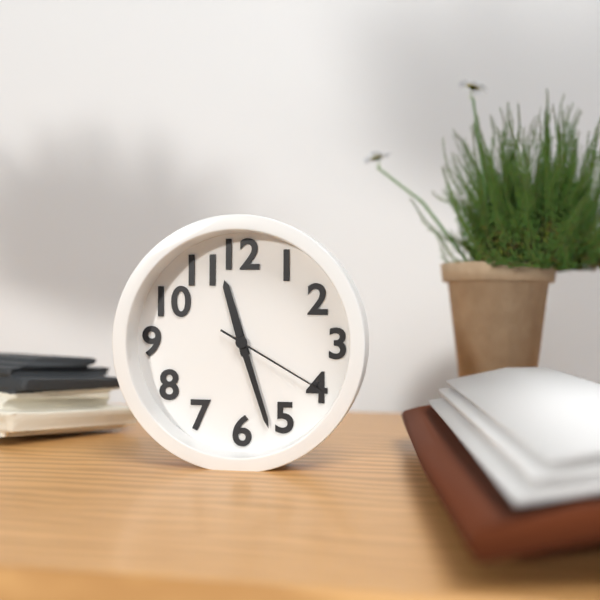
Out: {"hour": 11, "minute": 27, "second": 20}
